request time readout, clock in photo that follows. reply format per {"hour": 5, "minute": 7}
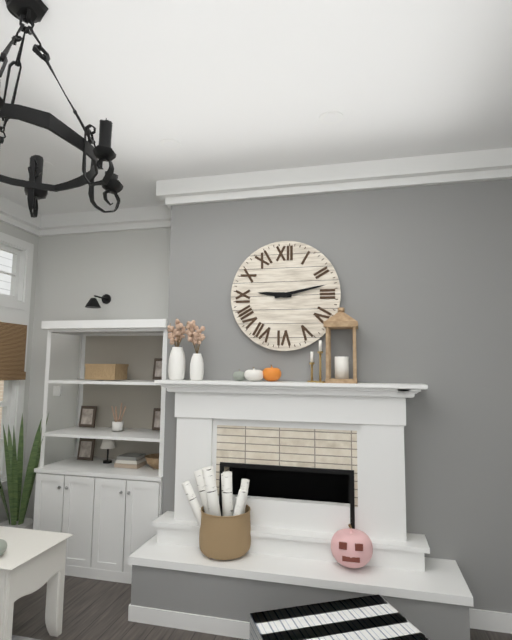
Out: {"hour": 9, "minute": 13}
